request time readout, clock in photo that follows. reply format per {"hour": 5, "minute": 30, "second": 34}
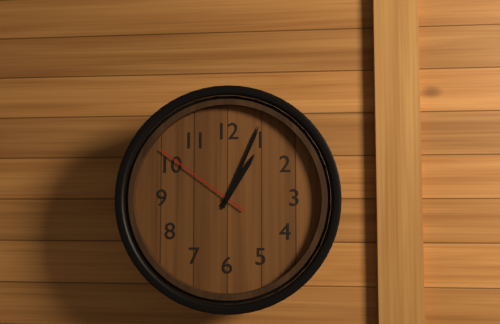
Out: {"hour": 1, "minute": 4, "second": 51}
